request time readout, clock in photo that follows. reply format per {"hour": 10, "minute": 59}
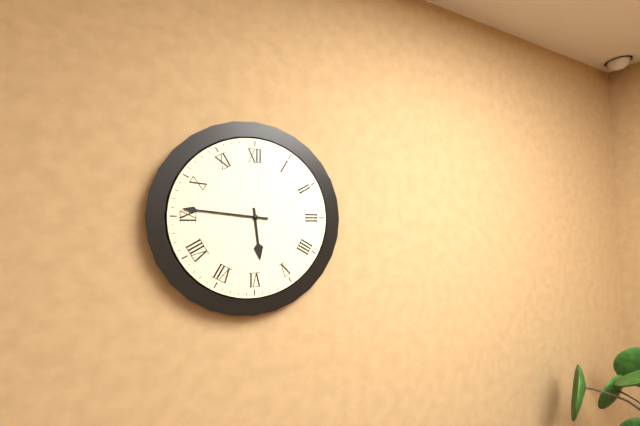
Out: {"hour": 5, "minute": 46}
